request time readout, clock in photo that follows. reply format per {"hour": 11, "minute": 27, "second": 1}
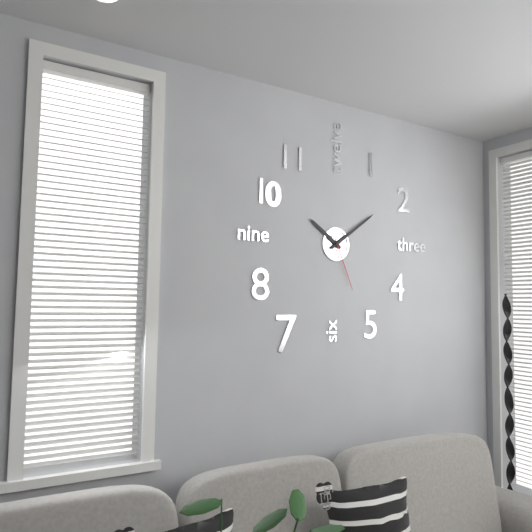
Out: {"hour": 10, "minute": 9, "second": 26}
